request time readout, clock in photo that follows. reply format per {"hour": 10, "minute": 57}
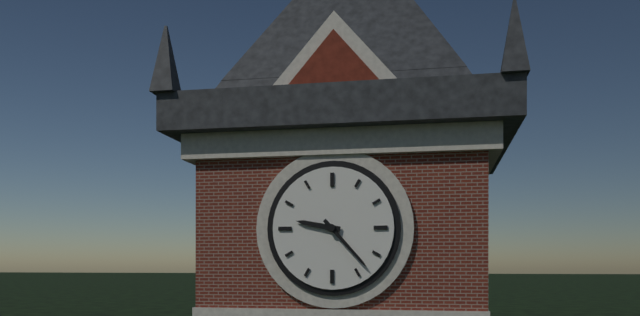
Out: {"hour": 9, "minute": 23}
